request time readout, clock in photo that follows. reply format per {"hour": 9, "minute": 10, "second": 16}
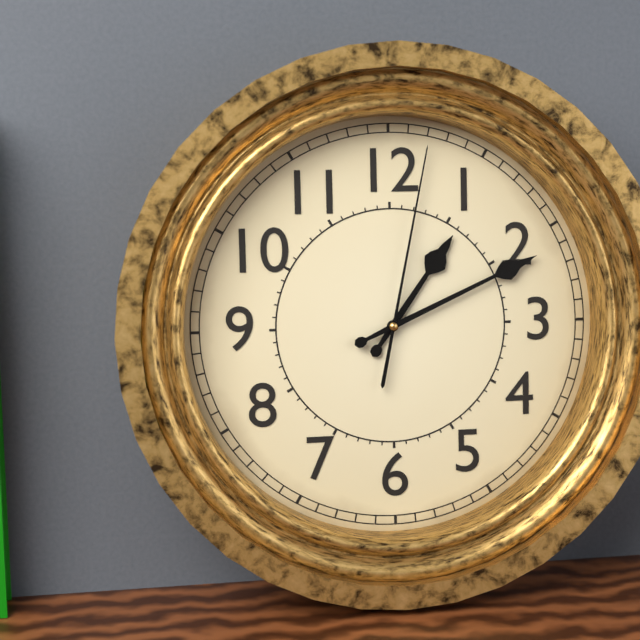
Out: {"hour": 1, "minute": 11, "second": 2}
